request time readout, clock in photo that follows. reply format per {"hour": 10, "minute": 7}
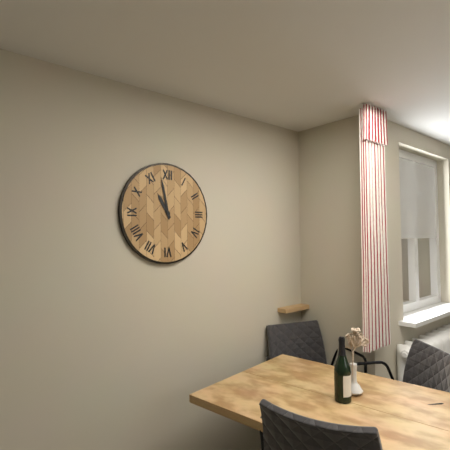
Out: {"hour": 10, "minute": 58}
